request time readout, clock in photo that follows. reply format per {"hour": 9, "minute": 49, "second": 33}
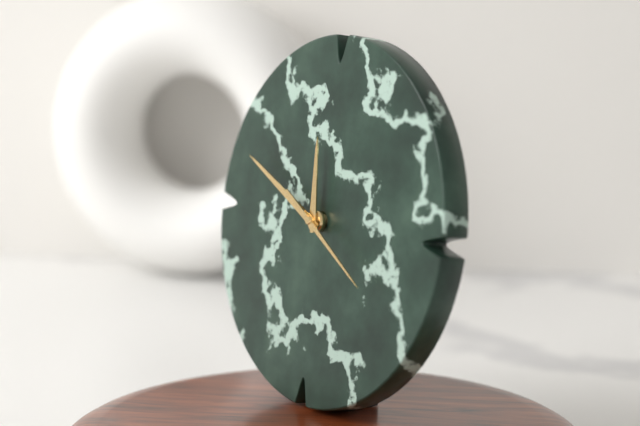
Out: {"hour": 11, "minute": 49, "second": 20}
